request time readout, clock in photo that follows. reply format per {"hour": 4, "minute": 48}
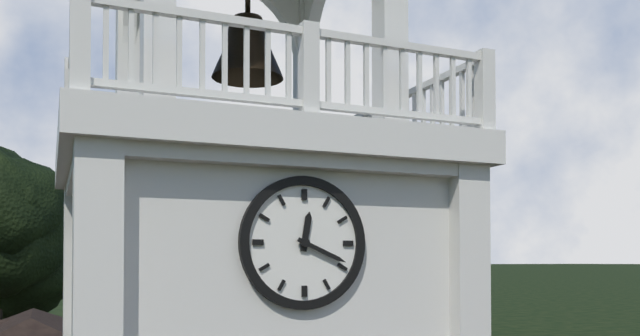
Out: {"hour": 12, "minute": 19}
